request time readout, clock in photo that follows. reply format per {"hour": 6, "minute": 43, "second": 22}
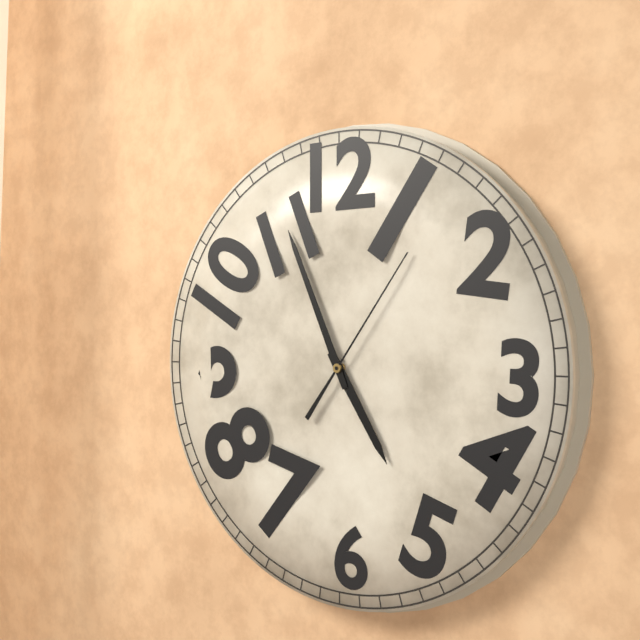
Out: {"hour": 4, "minute": 56, "second": 6}
